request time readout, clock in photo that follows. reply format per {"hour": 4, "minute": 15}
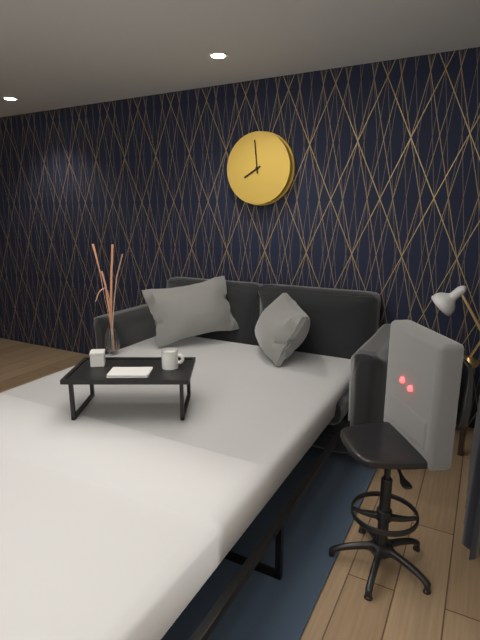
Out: {"hour": 7, "minute": 59}
